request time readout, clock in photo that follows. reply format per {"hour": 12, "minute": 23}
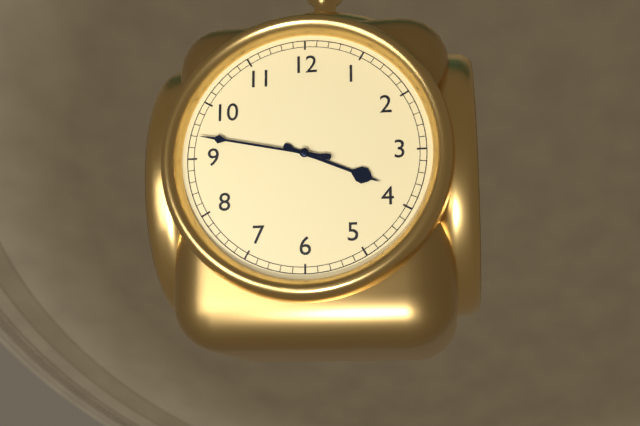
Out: {"hour": 3, "minute": 47}
